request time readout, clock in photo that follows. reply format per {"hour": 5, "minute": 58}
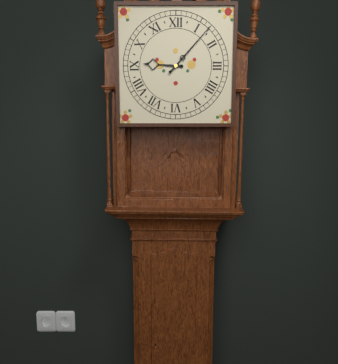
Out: {"hour": 9, "minute": 7}
